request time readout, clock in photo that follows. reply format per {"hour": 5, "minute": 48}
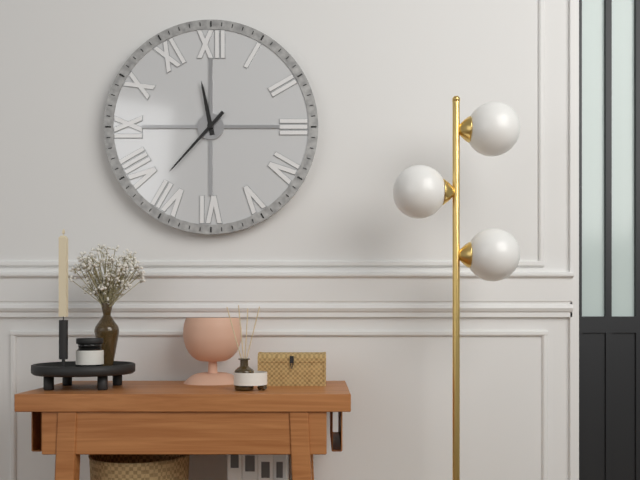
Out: {"hour": 11, "minute": 37}
